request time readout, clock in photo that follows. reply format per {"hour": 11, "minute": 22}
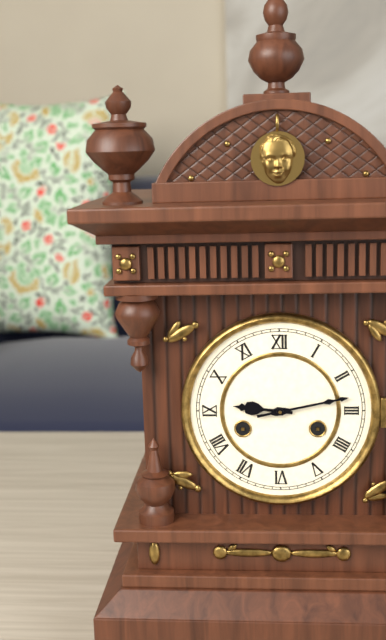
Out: {"hour": 9, "minute": 13}
